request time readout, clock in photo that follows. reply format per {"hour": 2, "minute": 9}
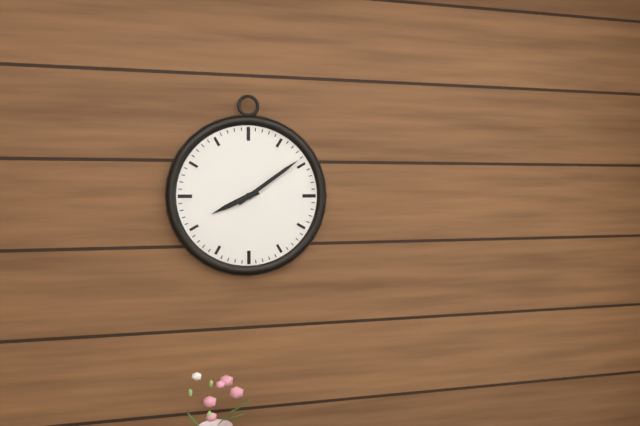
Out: {"hour": 8, "minute": 9}
